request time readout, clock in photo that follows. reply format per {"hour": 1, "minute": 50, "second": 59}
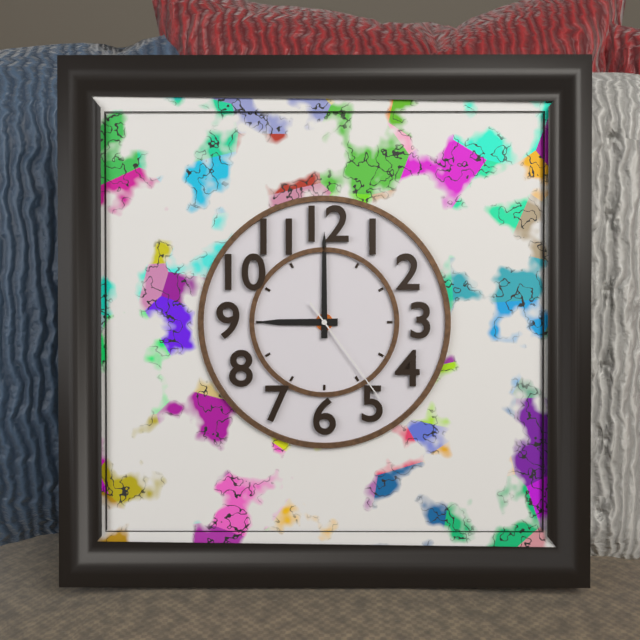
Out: {"hour": 9, "minute": 0, "second": 24}
